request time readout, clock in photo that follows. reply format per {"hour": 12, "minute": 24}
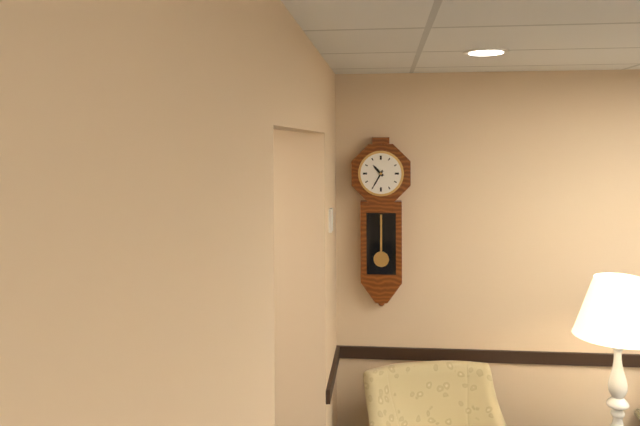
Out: {"hour": 10, "minute": 35}
